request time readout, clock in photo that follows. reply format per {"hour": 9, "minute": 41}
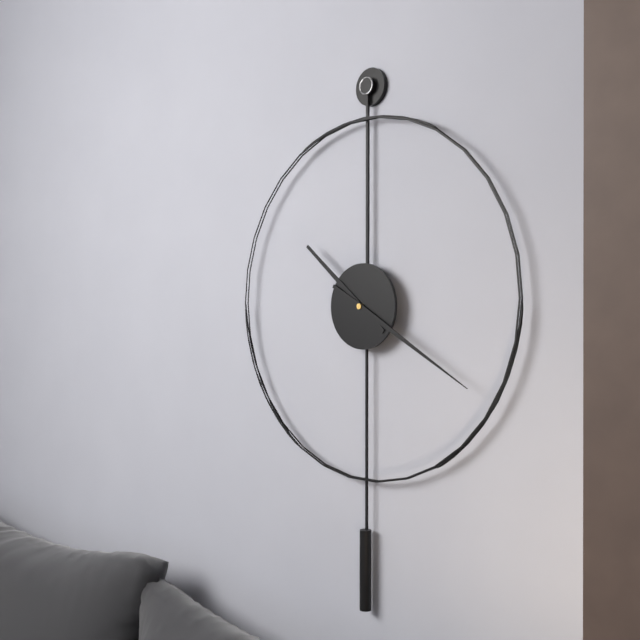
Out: {"hour": 10, "minute": 20}
